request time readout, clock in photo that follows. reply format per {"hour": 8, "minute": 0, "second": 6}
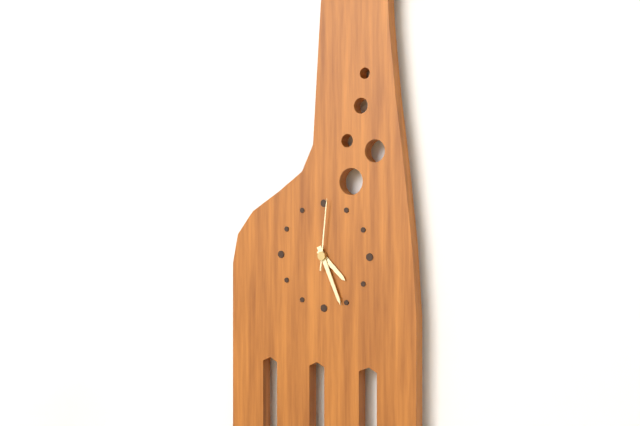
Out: {"hour": 4, "minute": 26, "second": 1}
